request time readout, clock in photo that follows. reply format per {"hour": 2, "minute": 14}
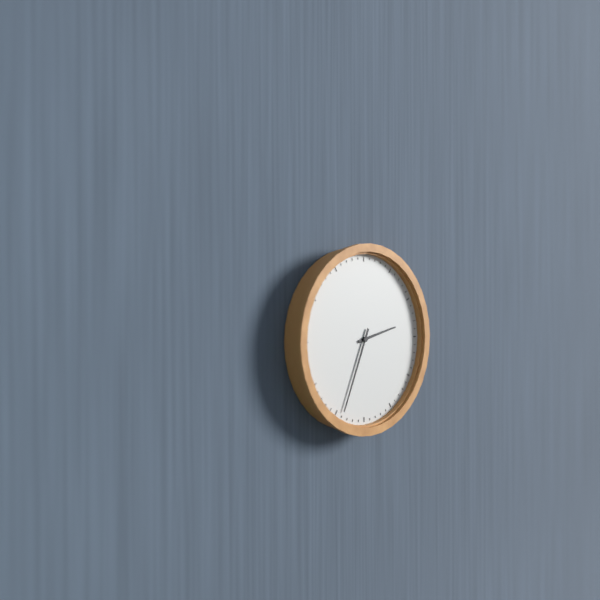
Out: {"hour": 2, "minute": 34}
